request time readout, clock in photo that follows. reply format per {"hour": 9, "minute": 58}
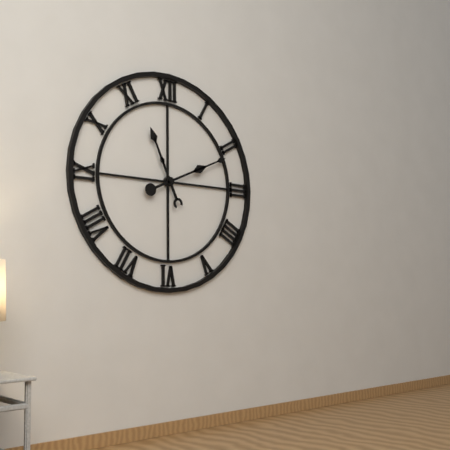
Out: {"hour": 11, "minute": 11}
